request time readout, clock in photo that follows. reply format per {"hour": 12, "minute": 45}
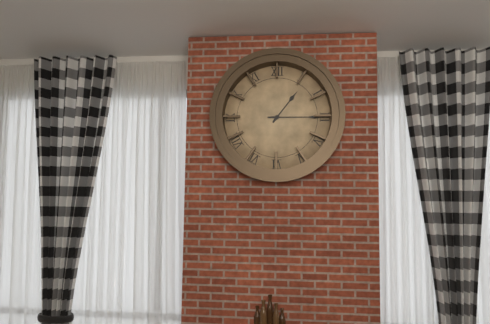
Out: {"hour": 1, "minute": 15}
